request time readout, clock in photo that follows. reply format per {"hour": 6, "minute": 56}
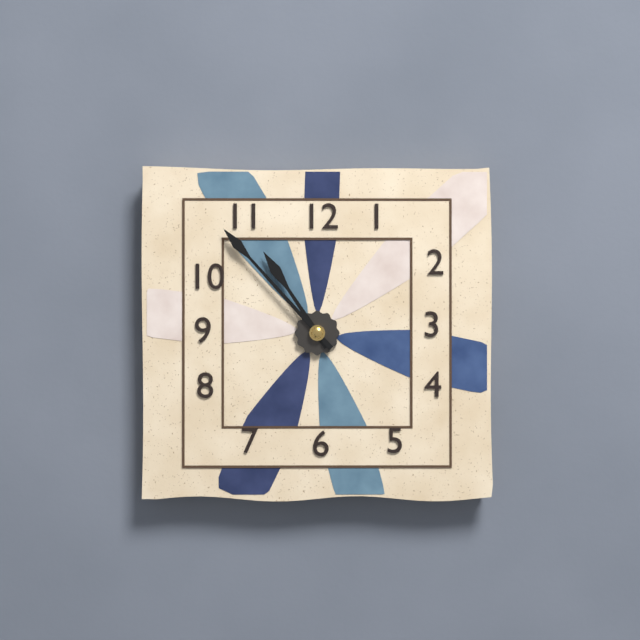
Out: {"hour": 10, "minute": 53}
